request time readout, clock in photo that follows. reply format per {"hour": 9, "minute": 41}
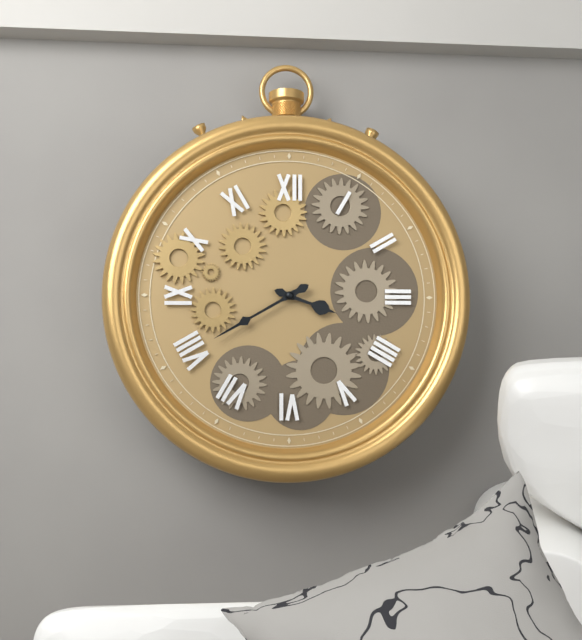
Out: {"hour": 3, "minute": 40}
